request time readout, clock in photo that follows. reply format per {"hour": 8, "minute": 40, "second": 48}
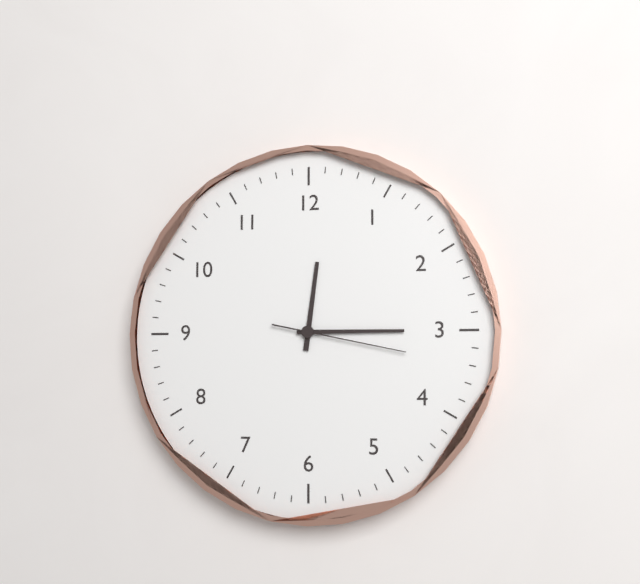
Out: {"hour": 12, "minute": 15, "second": 17}
